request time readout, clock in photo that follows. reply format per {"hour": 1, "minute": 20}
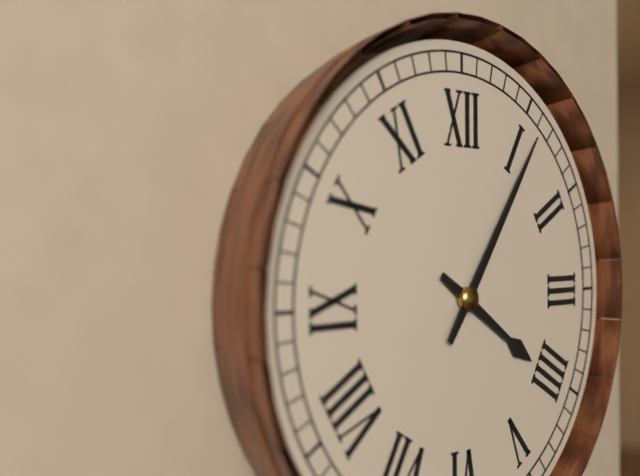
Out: {"hour": 4, "minute": 6}
